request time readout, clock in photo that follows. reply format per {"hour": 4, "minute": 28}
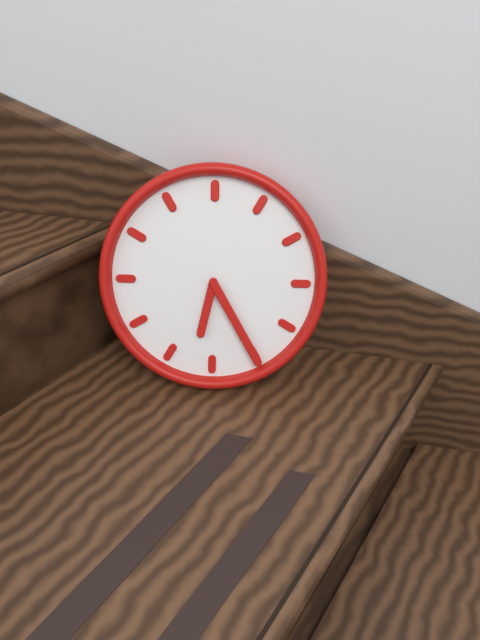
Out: {"hour": 6, "minute": 25}
